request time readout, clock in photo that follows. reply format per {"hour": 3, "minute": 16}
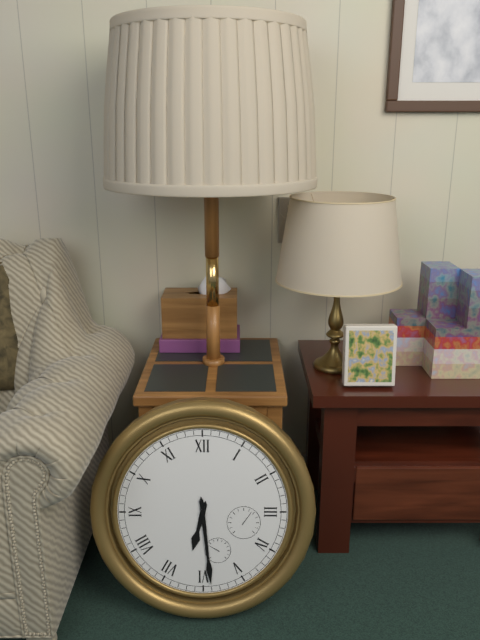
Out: {"hour": 6, "minute": 29}
